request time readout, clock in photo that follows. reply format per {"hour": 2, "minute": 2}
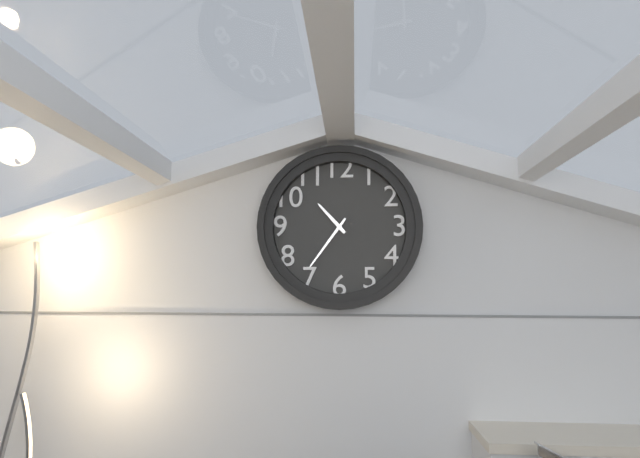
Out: {"hour": 10, "minute": 36}
